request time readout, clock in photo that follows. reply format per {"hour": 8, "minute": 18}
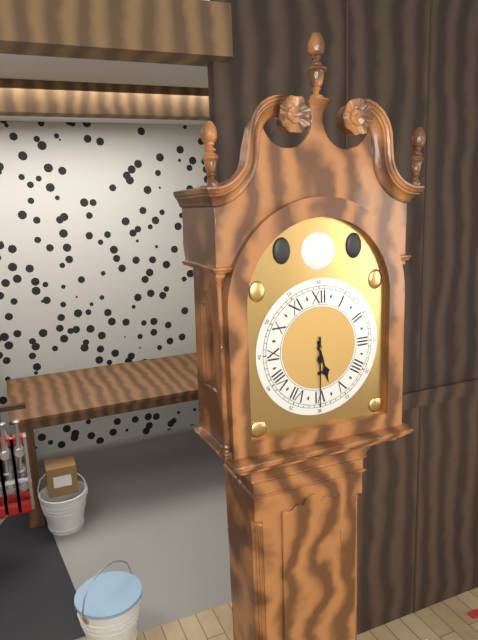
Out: {"hour": 5, "minute": 30}
